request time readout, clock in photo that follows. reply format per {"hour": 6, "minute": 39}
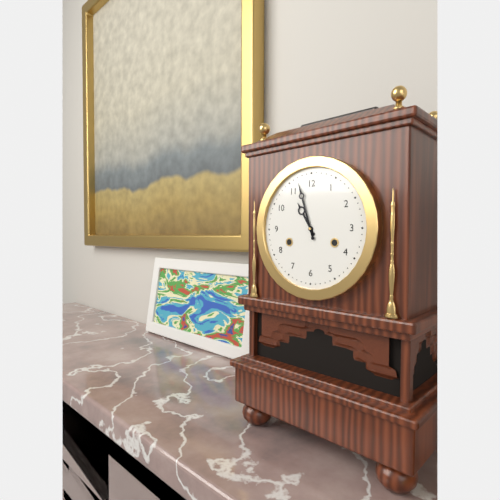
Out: {"hour": 10, "minute": 57}
